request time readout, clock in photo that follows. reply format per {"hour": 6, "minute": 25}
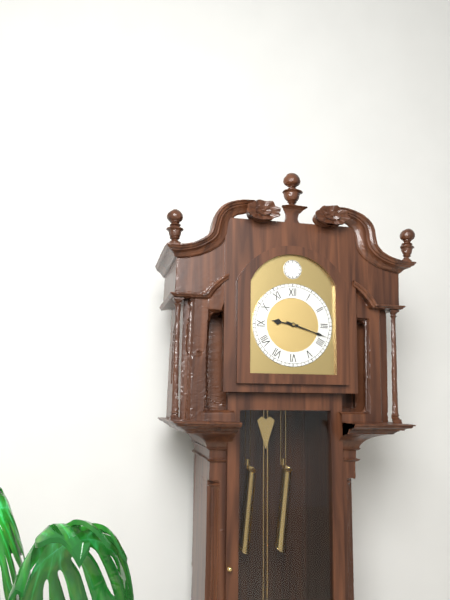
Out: {"hour": 9, "minute": 18}
